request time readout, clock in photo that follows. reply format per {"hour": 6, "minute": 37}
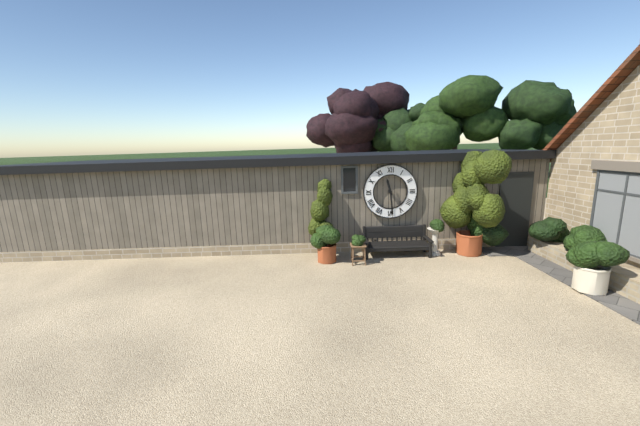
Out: {"hour": 11, "minute": 29}
